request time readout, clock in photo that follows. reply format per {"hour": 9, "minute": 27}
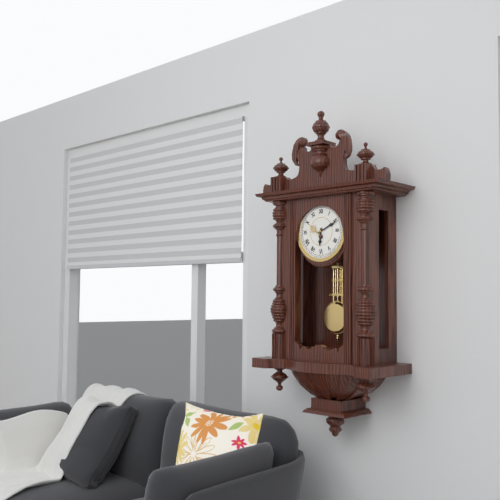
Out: {"hour": 6, "minute": 11}
